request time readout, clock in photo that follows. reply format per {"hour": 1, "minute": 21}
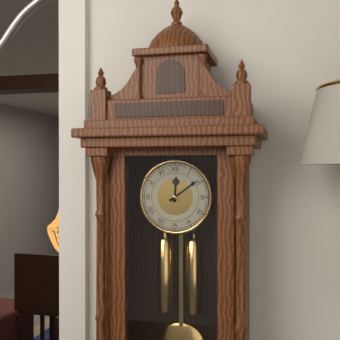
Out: {"hour": 12, "minute": 9}
